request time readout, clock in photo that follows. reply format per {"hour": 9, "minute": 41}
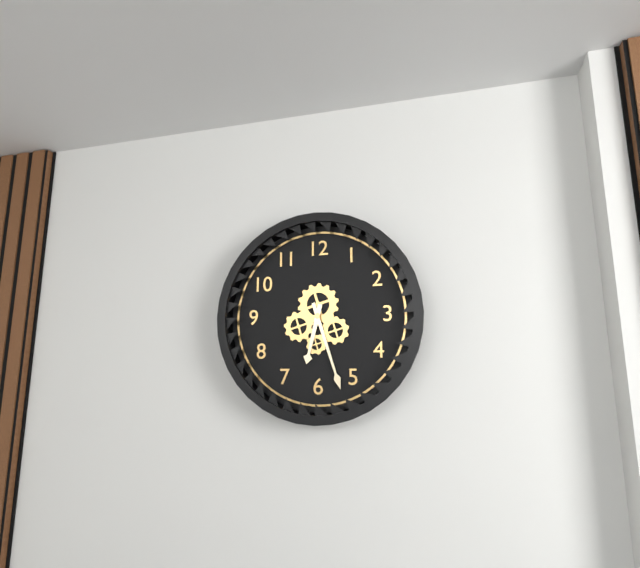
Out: {"hour": 6, "minute": 27}
